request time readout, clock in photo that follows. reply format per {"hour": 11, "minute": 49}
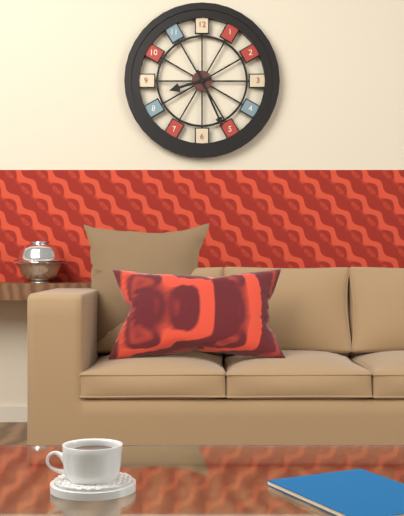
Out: {"hour": 8, "minute": 26}
